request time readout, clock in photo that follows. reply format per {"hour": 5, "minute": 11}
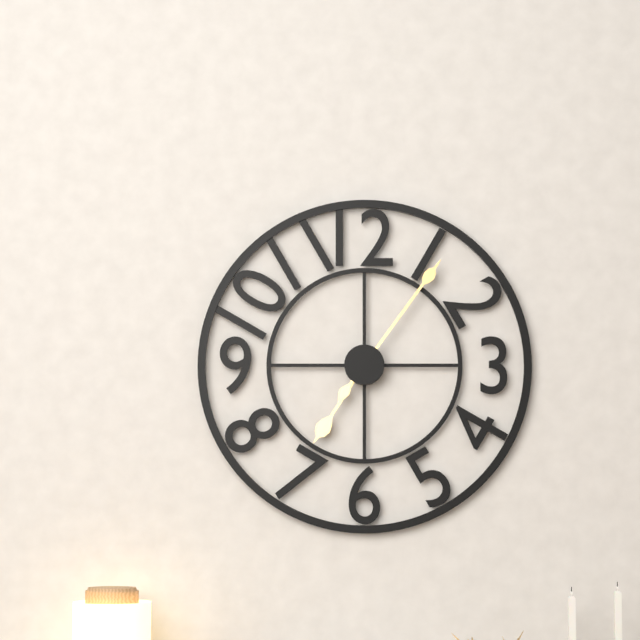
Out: {"hour": 7, "minute": 6}
